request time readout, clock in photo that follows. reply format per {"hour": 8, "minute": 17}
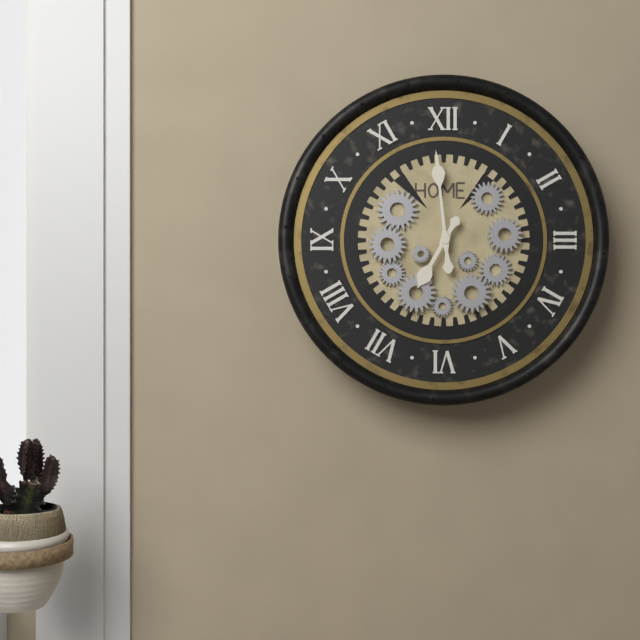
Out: {"hour": 6, "minute": 59}
